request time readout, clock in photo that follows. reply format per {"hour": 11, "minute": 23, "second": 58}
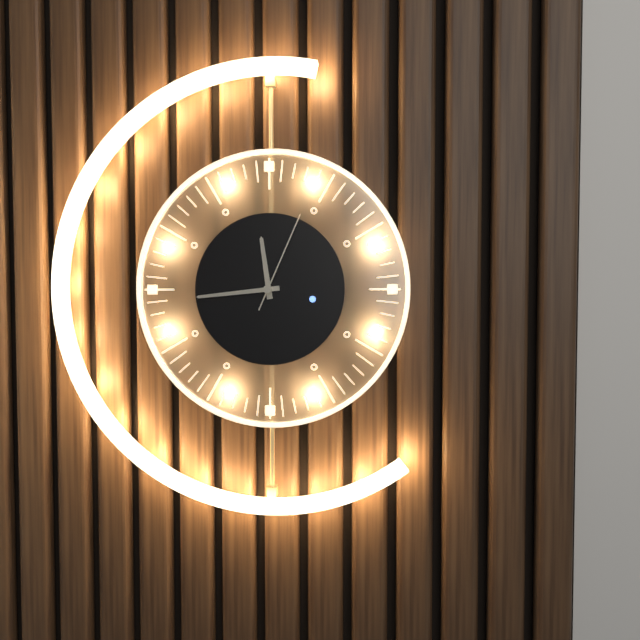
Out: {"hour": 11, "minute": 44, "second": 4}
